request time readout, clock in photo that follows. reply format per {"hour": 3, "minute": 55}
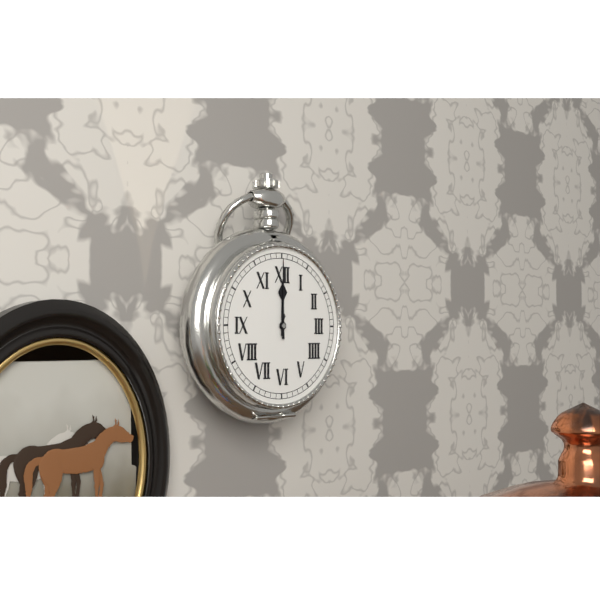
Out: {"hour": 12, "minute": 0}
